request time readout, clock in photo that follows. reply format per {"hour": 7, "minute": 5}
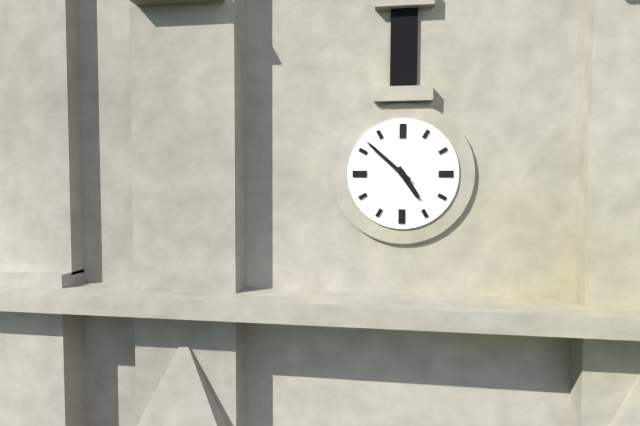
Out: {"hour": 4, "minute": 52}
